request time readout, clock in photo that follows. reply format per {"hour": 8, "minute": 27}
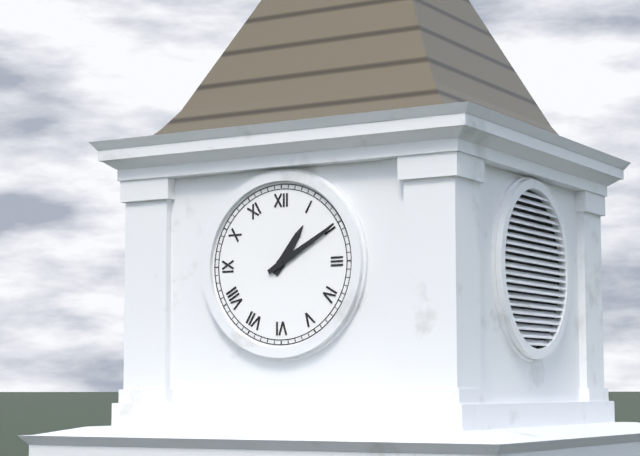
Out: {"hour": 1, "minute": 10}
